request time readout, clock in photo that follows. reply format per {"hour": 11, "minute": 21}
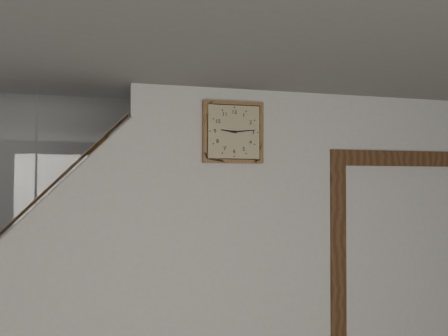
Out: {"hour": 9, "minute": 14}
